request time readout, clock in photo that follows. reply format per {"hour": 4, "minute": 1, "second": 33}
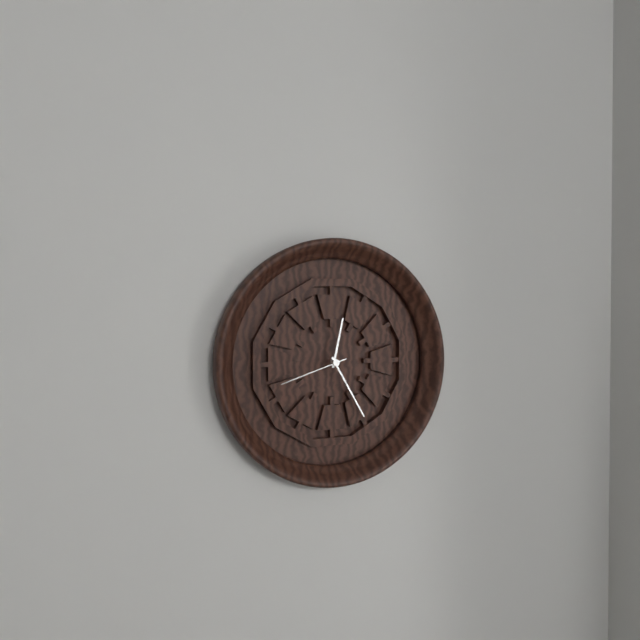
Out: {"hour": 12, "minute": 25, "second": 42}
